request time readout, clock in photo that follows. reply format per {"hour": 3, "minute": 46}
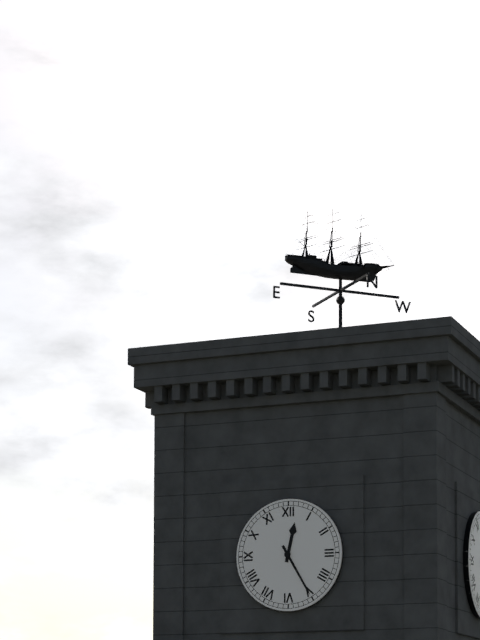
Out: {"hour": 12, "minute": 25}
